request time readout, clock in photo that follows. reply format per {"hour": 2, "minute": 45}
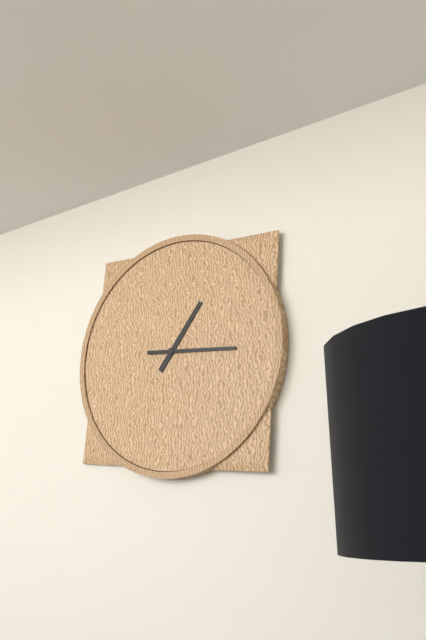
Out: {"hour": 1, "minute": 16}
